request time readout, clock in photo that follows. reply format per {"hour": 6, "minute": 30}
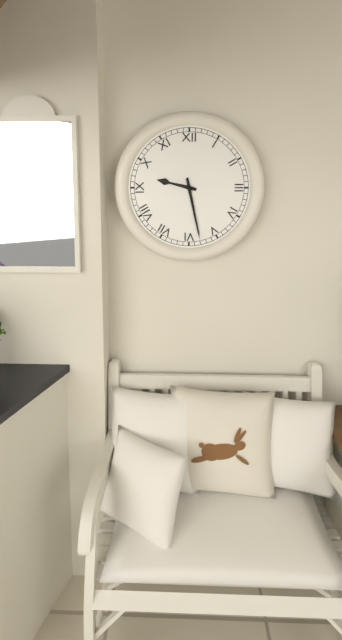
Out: {"hour": 9, "minute": 28}
